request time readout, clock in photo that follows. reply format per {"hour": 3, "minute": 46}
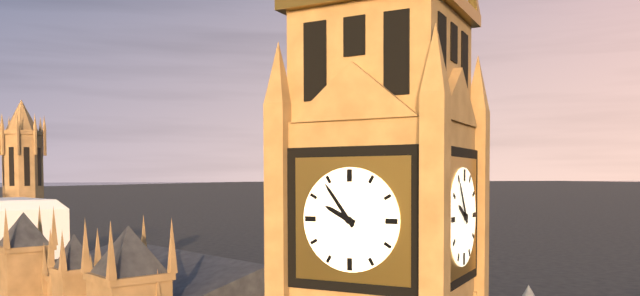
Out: {"hour": 9, "minute": 54}
